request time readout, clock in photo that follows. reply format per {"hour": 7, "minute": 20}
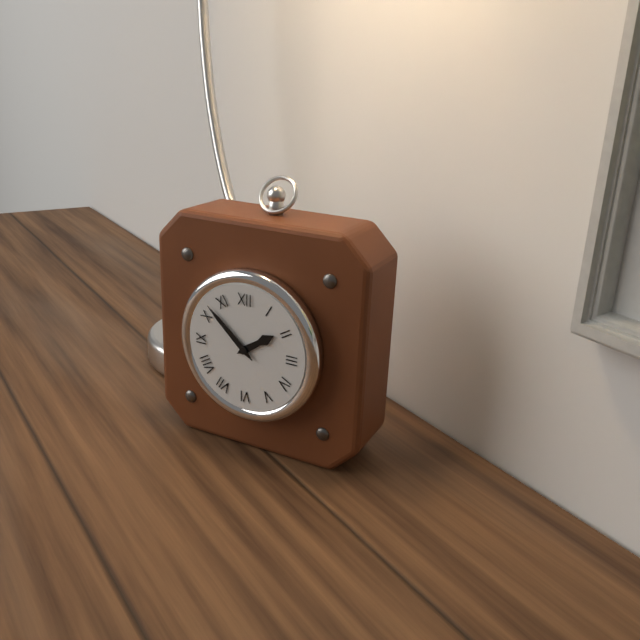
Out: {"hour": 1, "minute": 52}
